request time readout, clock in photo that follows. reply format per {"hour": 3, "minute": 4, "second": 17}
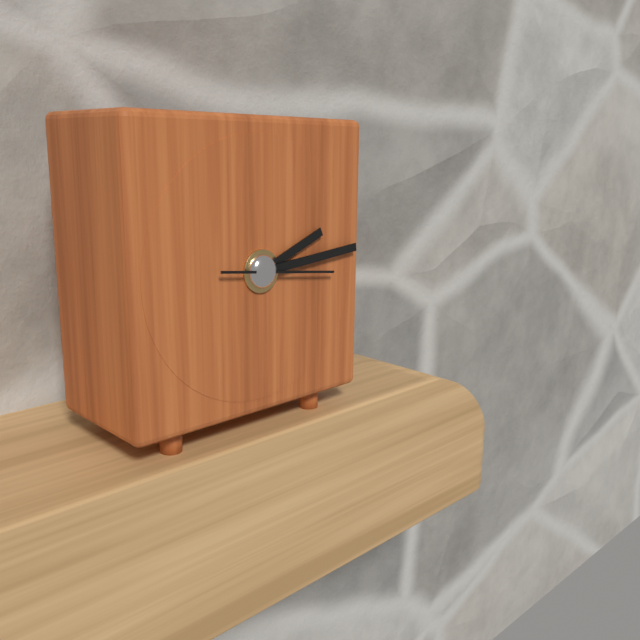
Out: {"hour": 2, "minute": 14, "second": 16}
